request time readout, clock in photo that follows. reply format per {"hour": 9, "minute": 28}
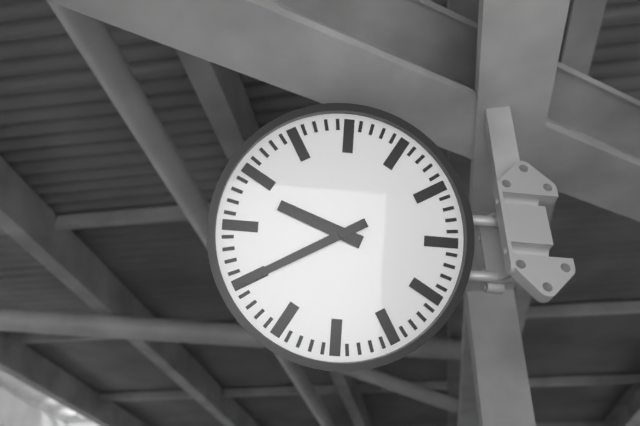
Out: {"hour": 9, "minute": 40}
